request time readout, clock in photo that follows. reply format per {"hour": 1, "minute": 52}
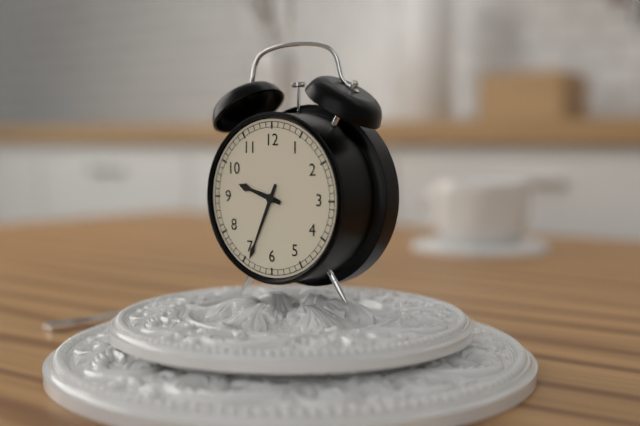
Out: {"hour": 9, "minute": 34}
